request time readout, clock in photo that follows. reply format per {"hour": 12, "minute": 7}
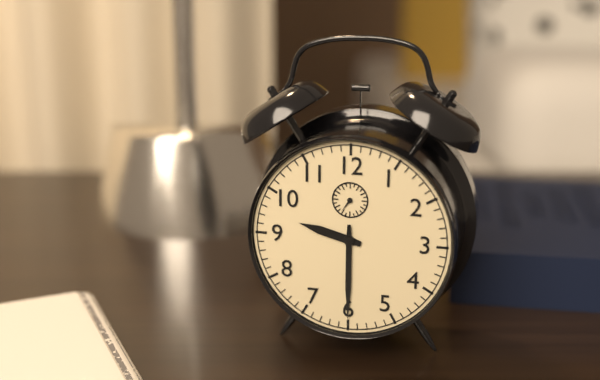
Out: {"hour": 9, "minute": 30}
